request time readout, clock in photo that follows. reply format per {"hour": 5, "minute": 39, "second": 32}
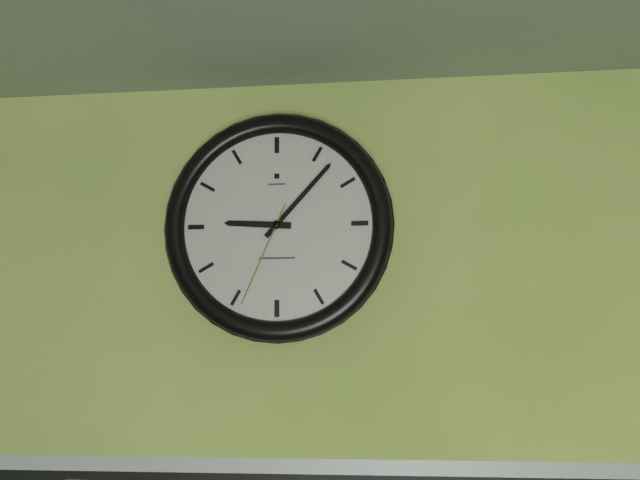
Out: {"hour": 9, "minute": 7, "second": 34}
